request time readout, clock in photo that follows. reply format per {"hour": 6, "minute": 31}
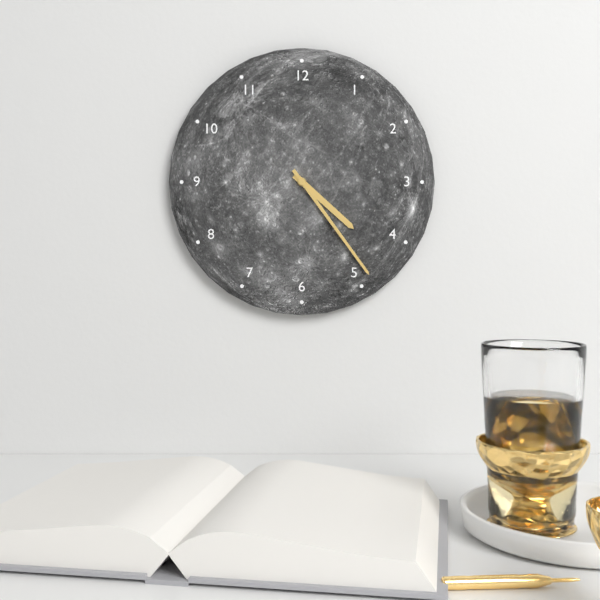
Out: {"hour": 4, "minute": 24}
